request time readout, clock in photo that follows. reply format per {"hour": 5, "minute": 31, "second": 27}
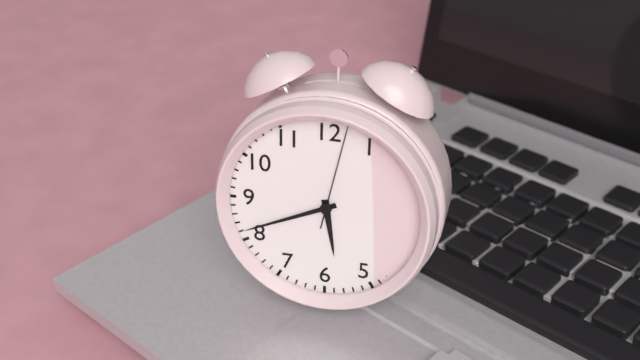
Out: {"hour": 5, "minute": 41, "second": 2}
